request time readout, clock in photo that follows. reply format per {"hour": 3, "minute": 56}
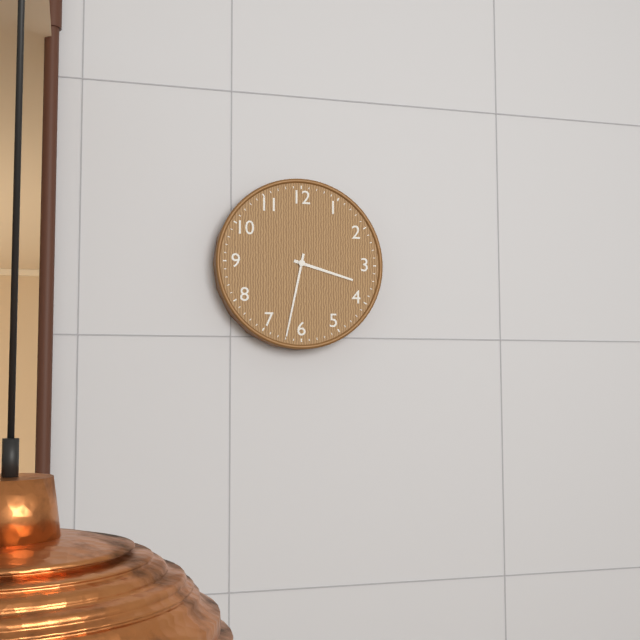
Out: {"hour": 3, "minute": 32}
